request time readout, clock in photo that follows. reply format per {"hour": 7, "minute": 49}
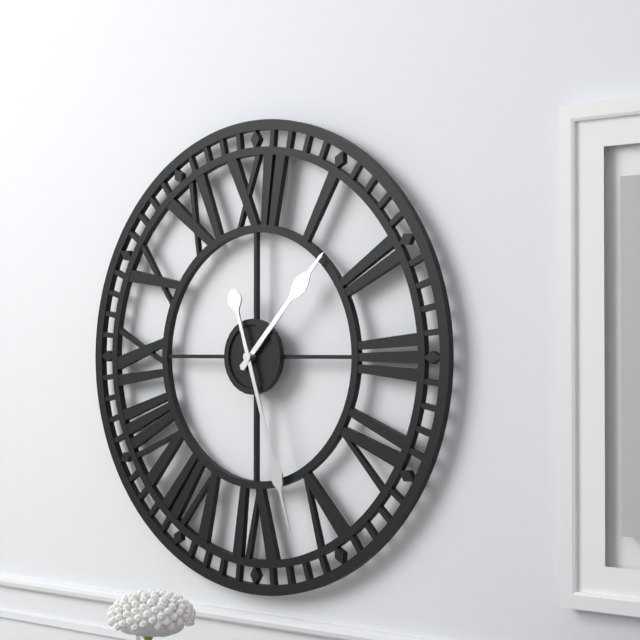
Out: {"hour": 1, "minute": 27}
